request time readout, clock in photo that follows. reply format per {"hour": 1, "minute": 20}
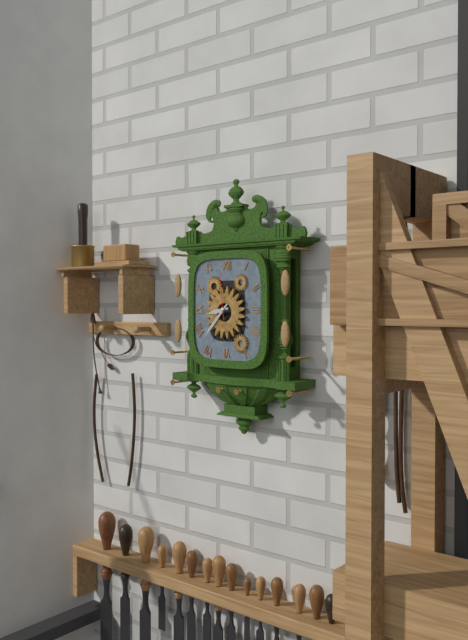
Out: {"hour": 8, "minute": 37}
